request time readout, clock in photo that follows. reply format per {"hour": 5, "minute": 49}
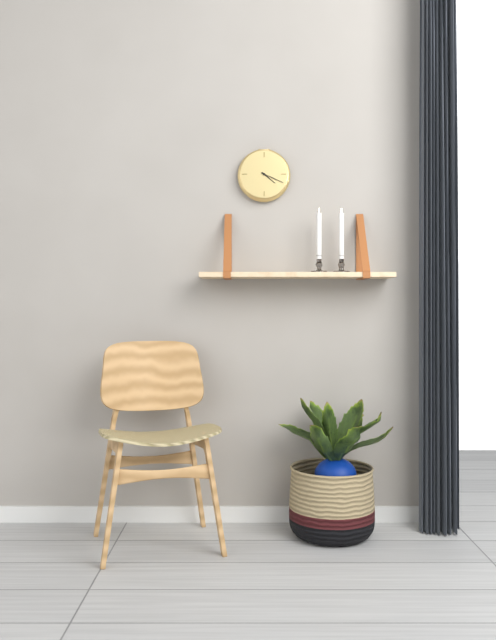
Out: {"hour": 4, "minute": 19}
